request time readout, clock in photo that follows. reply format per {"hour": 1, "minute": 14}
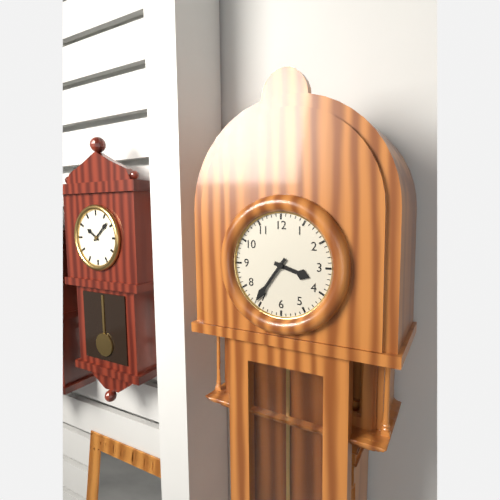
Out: {"hour": 3, "minute": 36}
